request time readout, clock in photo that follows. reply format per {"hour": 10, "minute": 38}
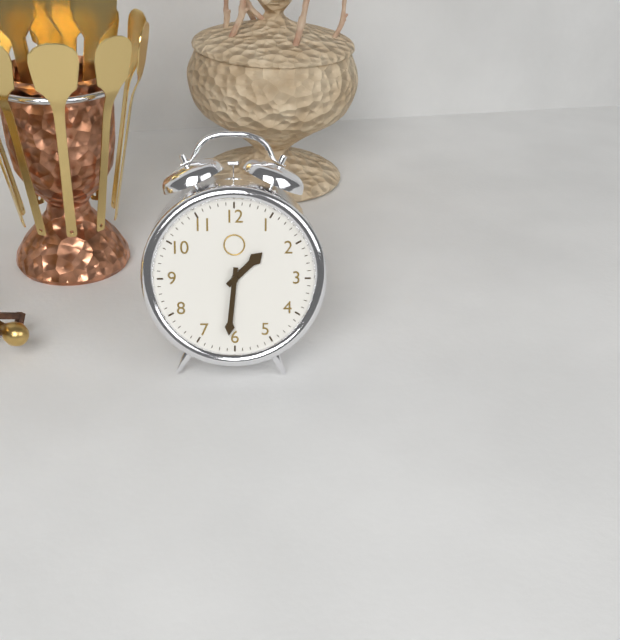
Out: {"hour": 1, "minute": 31}
